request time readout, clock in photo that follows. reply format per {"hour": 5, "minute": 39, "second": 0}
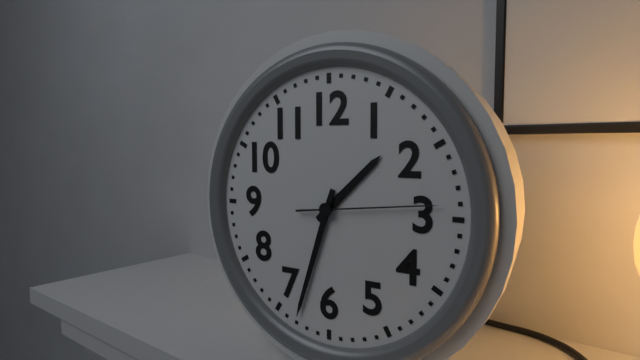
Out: {"hour": 1, "minute": 33, "second": 14}
